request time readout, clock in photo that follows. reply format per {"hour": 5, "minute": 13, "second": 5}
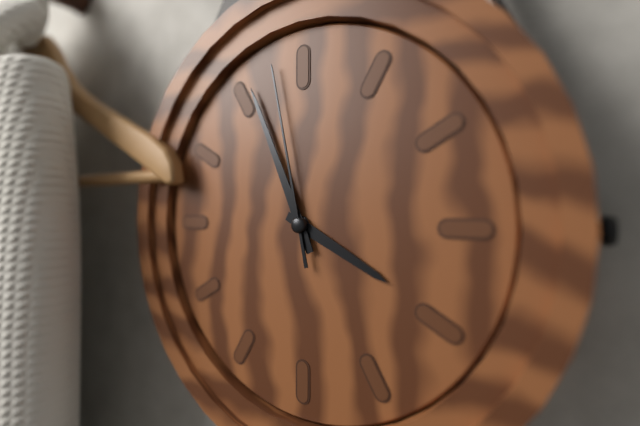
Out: {"hour": 3, "minute": 56, "second": 58}
